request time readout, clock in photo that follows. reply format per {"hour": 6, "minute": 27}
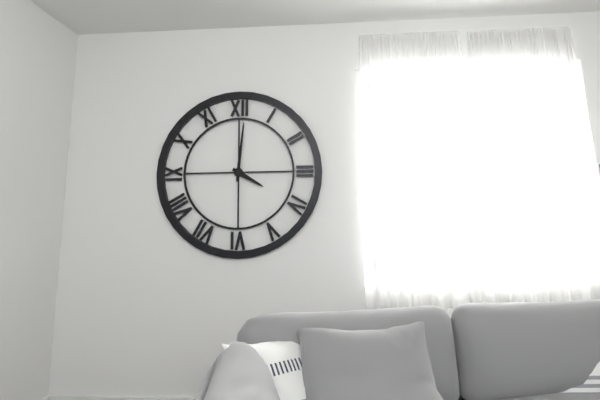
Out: {"hour": 4, "minute": 1}
